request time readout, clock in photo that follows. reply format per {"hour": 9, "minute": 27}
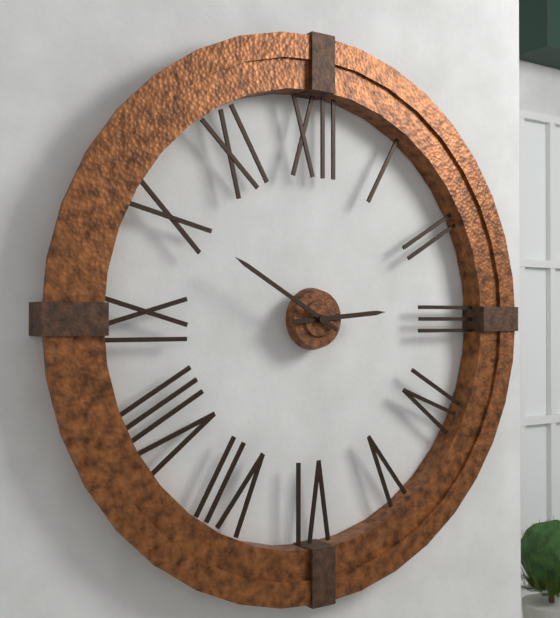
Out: {"hour": 2, "minute": 50}
